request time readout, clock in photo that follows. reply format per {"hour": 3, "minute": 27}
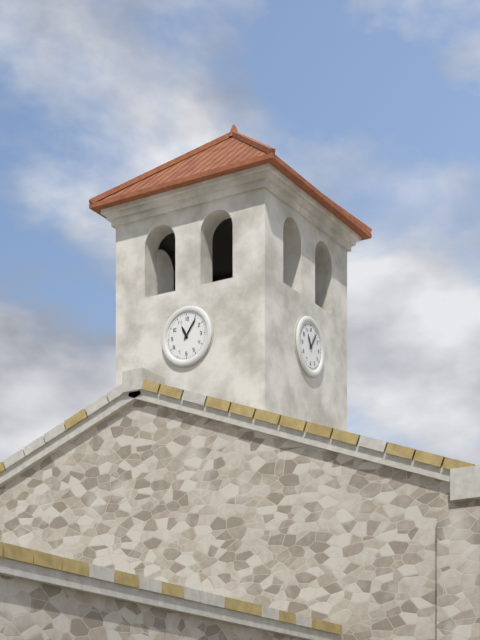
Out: {"hour": 11, "minute": 6}
